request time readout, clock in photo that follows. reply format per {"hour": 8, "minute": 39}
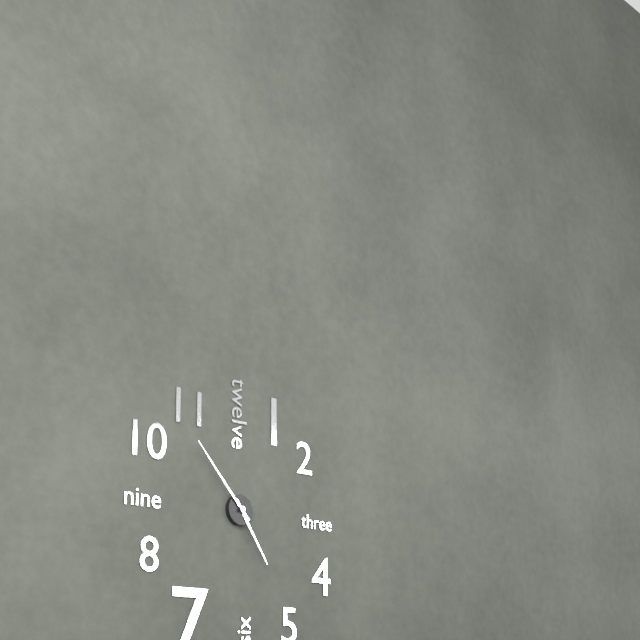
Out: {"hour": 4, "minute": 53}
